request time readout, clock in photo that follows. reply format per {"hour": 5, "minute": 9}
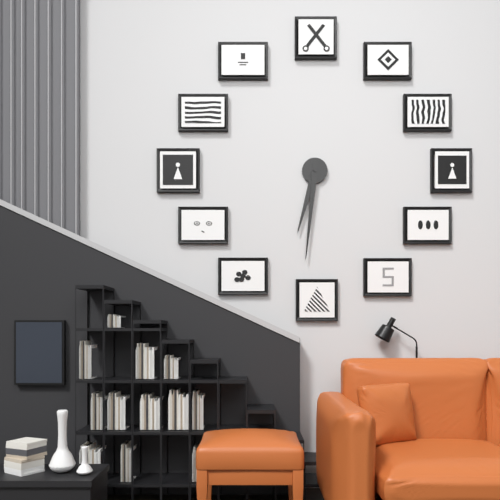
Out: {"hour": 6, "minute": 31}
